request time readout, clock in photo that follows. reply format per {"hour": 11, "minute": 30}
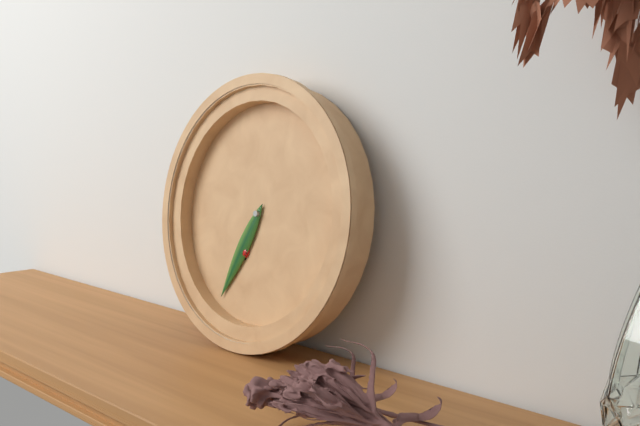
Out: {"hour": 6, "minute": 34}
